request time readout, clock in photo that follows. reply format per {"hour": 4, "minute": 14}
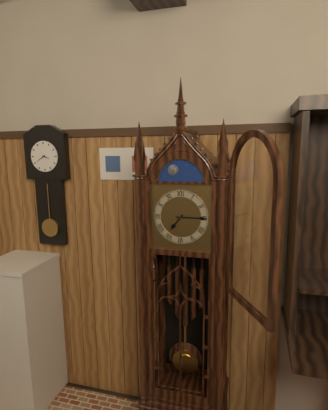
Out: {"hour": 7, "minute": 15}
